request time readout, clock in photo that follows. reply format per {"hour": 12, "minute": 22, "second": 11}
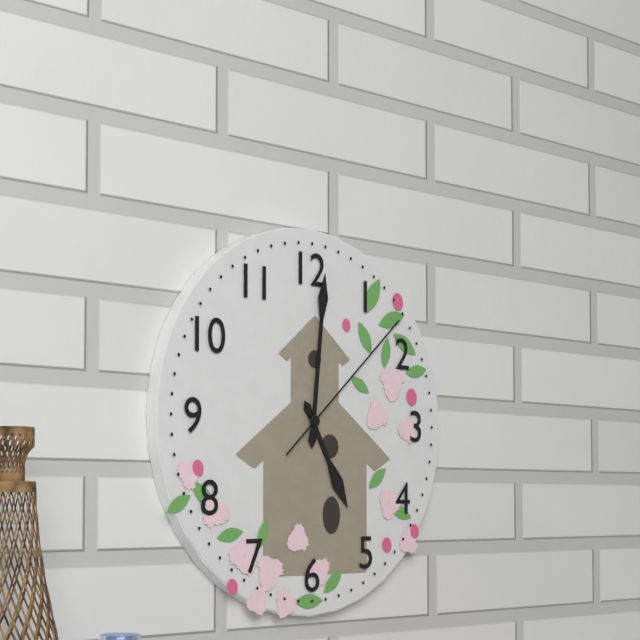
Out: {"hour": 5, "minute": 1, "second": 8}
